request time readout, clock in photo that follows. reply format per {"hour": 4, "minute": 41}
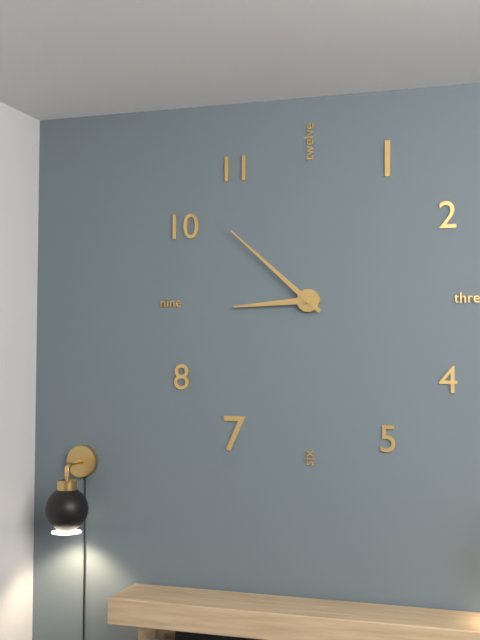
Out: {"hour": 8, "minute": 52}
